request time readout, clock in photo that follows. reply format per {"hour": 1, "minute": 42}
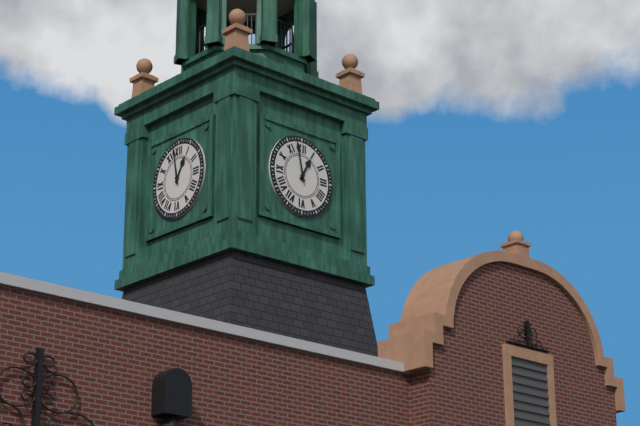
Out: {"hour": 12, "minute": 58}
